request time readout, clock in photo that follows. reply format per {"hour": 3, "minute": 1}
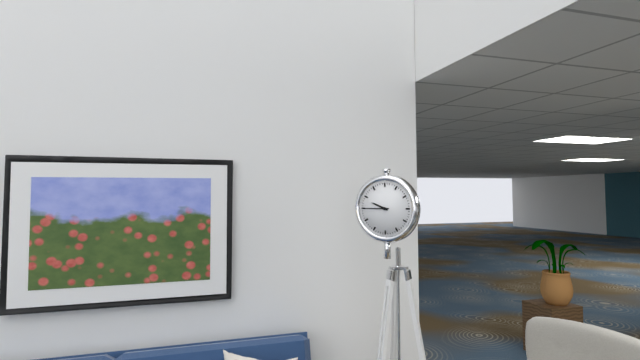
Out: {"hour": 9, "minute": 45}
